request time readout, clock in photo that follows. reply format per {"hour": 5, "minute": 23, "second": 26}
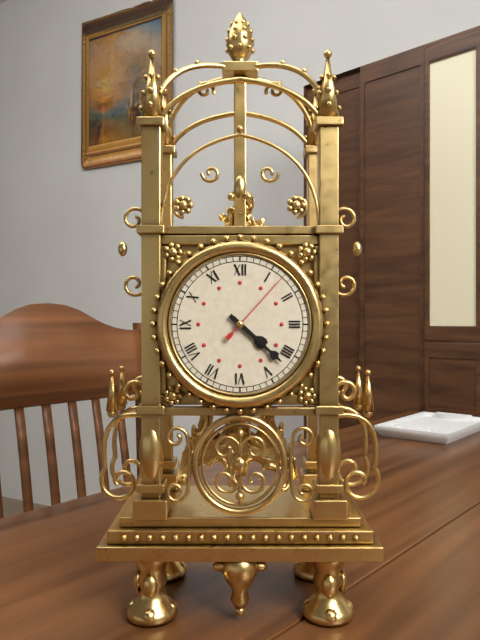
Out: {"hour": 4, "minute": 22, "second": 7}
